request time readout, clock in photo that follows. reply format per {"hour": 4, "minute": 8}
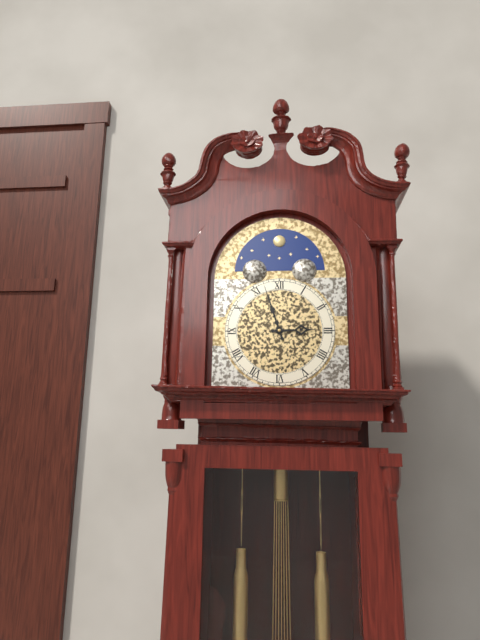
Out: {"hour": 2, "minute": 57}
